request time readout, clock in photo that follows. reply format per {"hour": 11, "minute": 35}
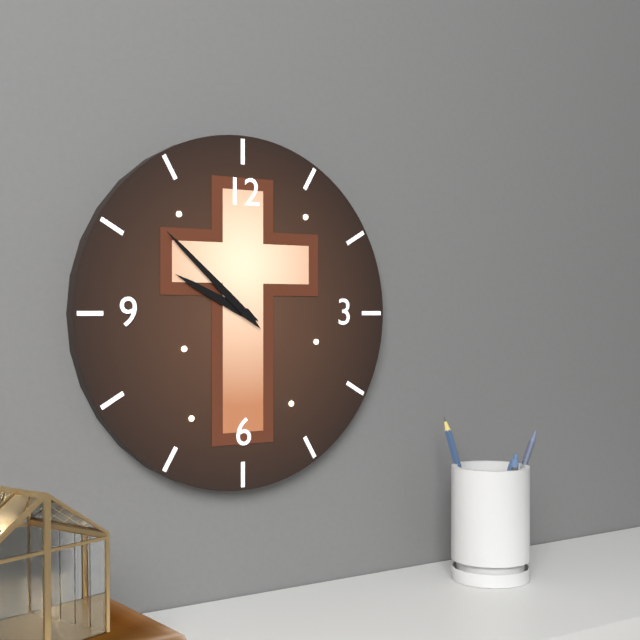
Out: {"hour": 9, "minute": 52}
